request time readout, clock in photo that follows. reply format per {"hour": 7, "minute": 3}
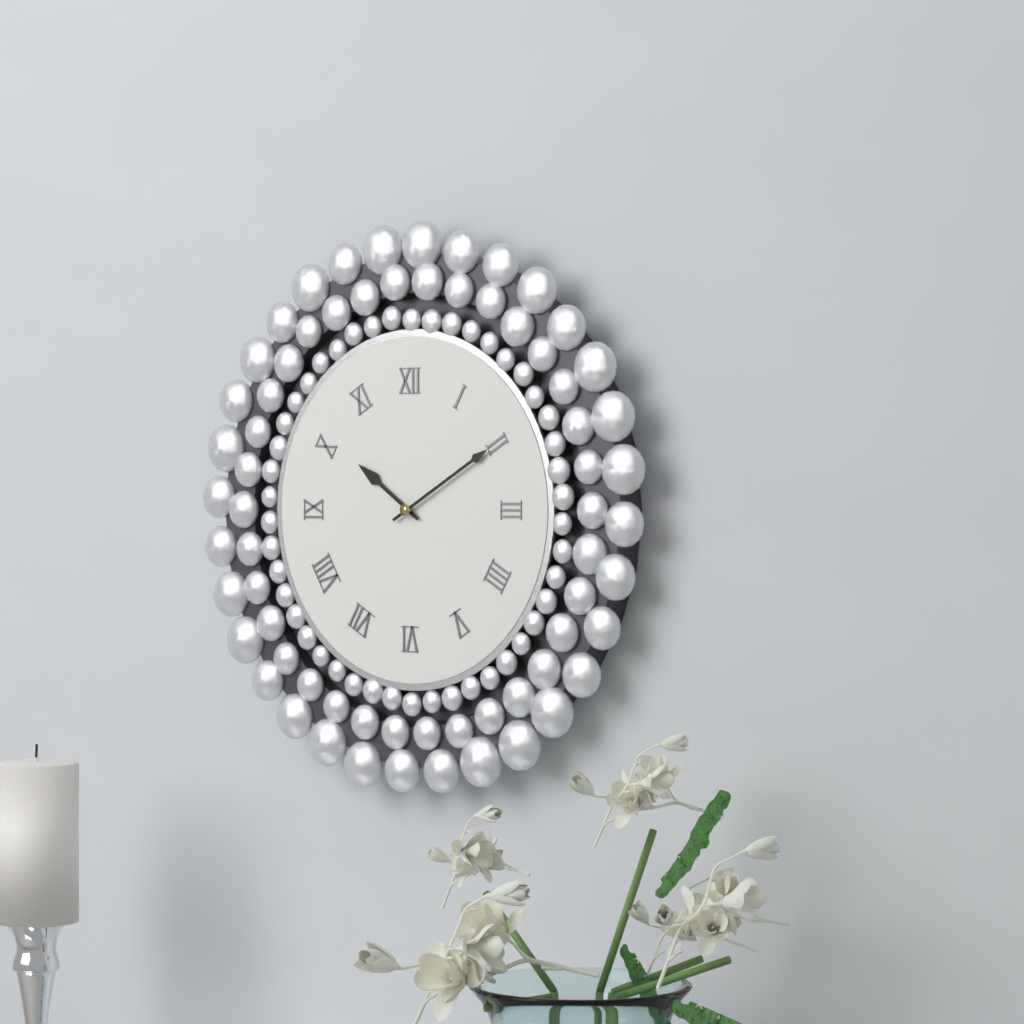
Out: {"hour": 10, "minute": 10}
